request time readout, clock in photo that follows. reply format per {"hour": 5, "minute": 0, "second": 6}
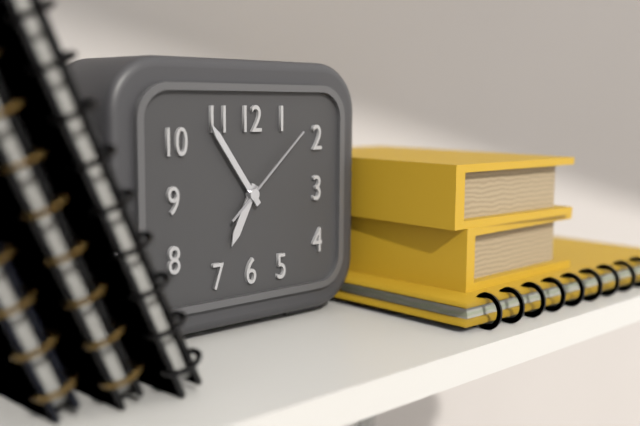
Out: {"hour": 6, "minute": 54, "second": 8}
